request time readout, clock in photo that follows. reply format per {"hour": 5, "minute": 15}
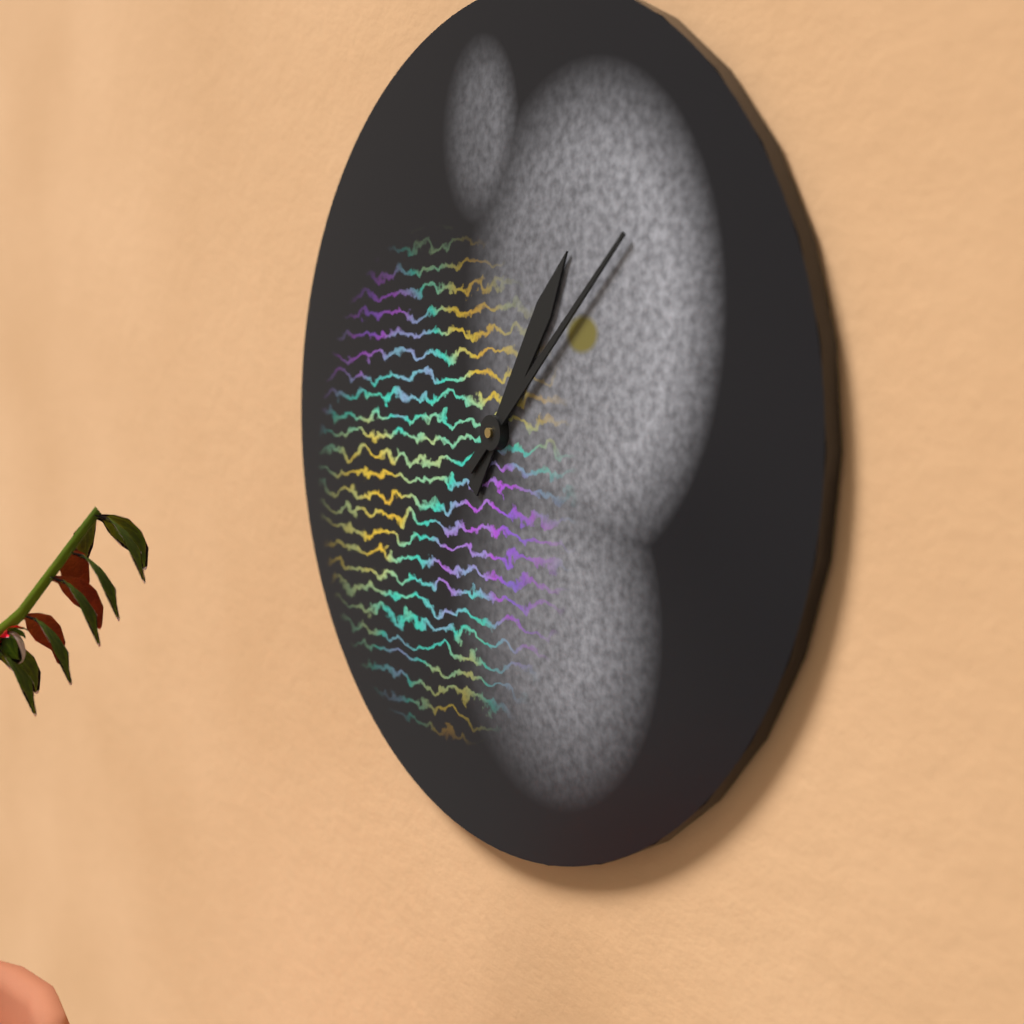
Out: {"hour": 1, "minute": 8}
